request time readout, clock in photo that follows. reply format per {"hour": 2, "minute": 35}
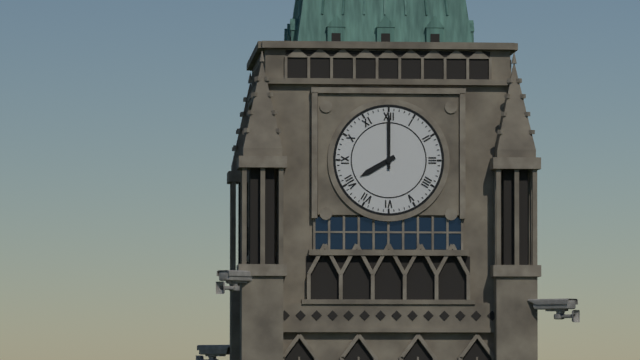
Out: {"hour": 8, "minute": 0}
